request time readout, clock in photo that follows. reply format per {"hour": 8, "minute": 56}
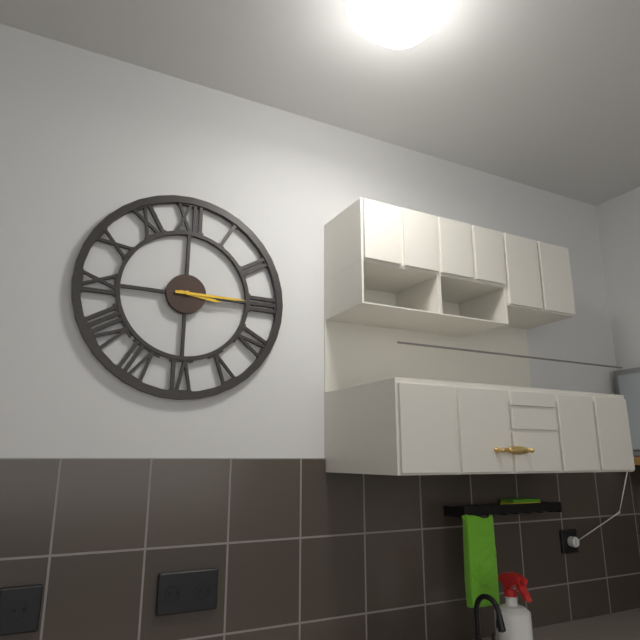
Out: {"hour": 3, "minute": 15}
